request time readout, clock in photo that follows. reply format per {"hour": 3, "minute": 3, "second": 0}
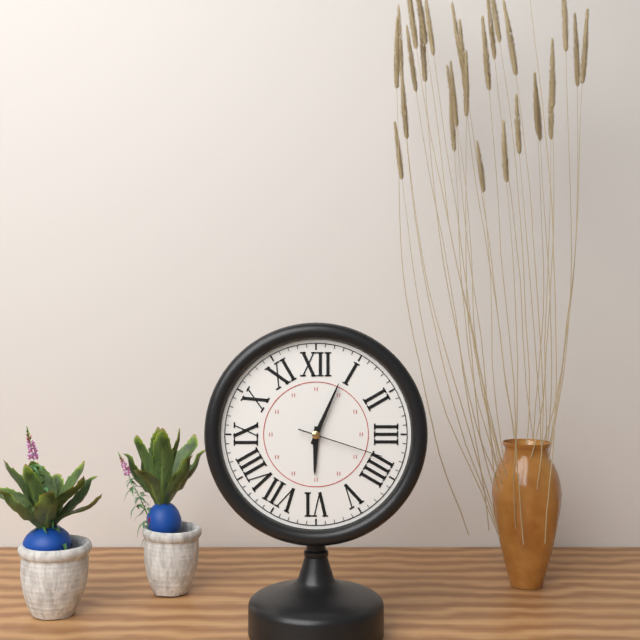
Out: {"hour": 6, "minute": 4, "second": 18}
